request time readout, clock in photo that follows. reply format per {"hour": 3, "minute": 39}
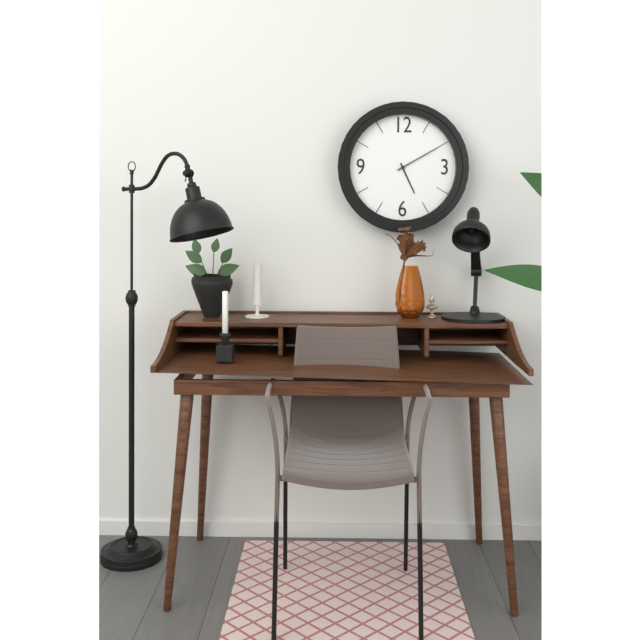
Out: {"hour": 5, "minute": 10}
